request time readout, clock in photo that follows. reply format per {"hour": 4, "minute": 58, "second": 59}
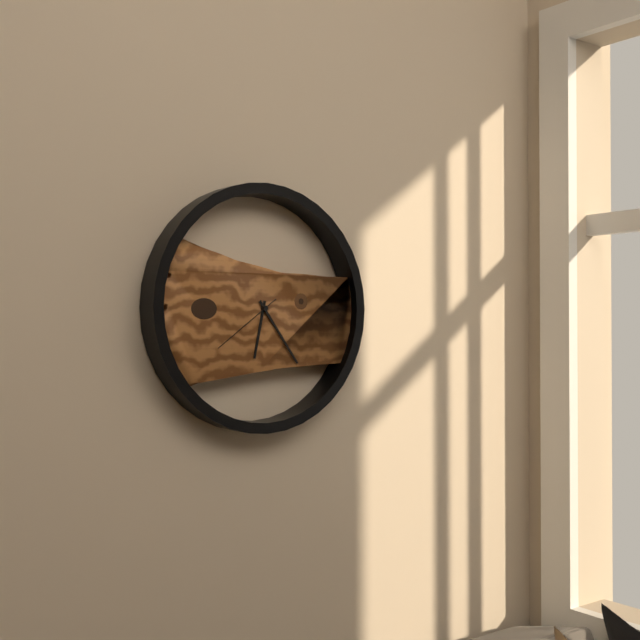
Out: {"hour": 6, "minute": 24, "second": 39}
